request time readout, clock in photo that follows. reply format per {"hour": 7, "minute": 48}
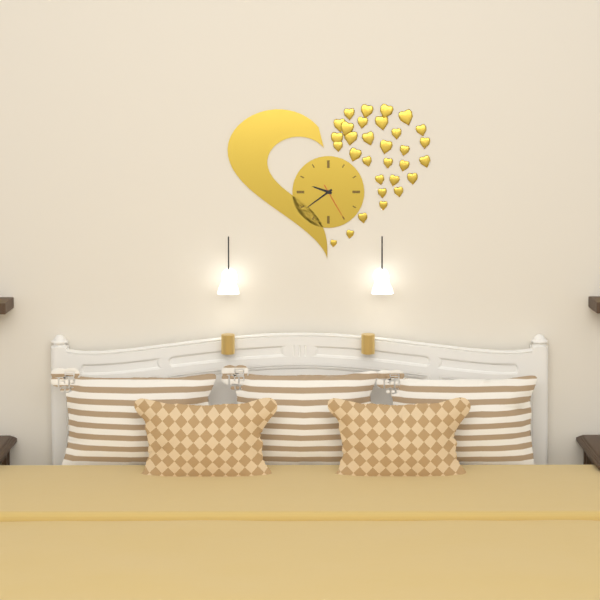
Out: {"hour": 9, "minute": 39}
